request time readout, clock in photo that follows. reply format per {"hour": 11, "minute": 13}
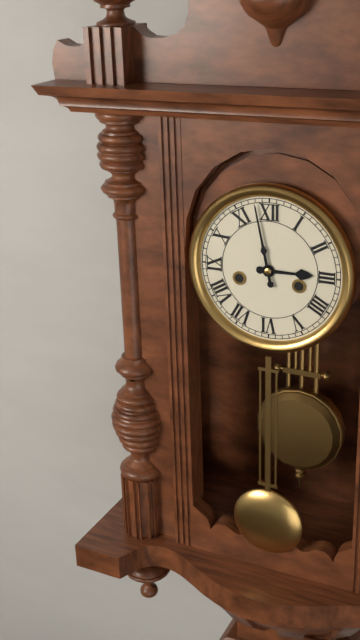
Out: {"hour": 2, "minute": 58}
